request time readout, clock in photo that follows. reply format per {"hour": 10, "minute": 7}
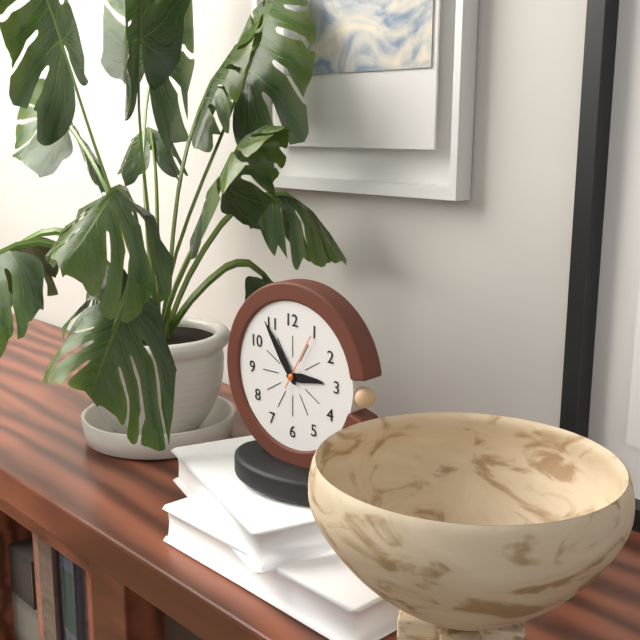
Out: {"hour": 2, "minute": 54}
